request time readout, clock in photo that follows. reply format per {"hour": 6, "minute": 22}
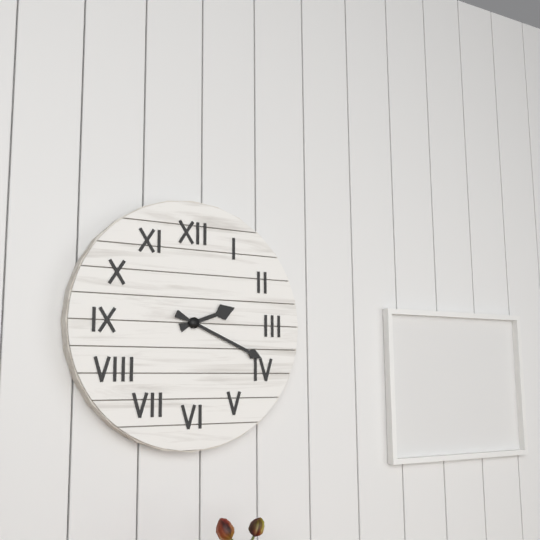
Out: {"hour": 2, "minute": 19}
